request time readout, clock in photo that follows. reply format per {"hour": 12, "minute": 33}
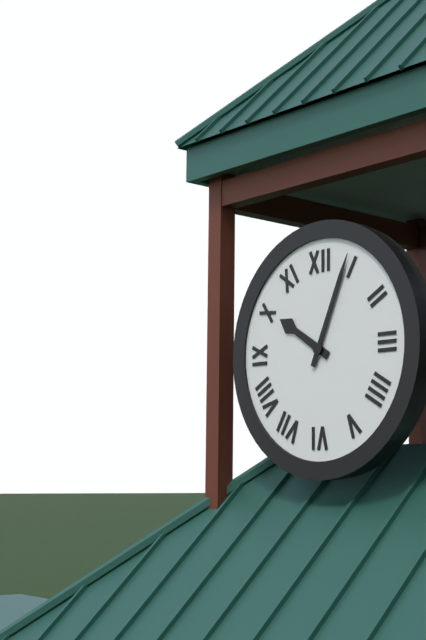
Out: {"hour": 10, "minute": 4}
